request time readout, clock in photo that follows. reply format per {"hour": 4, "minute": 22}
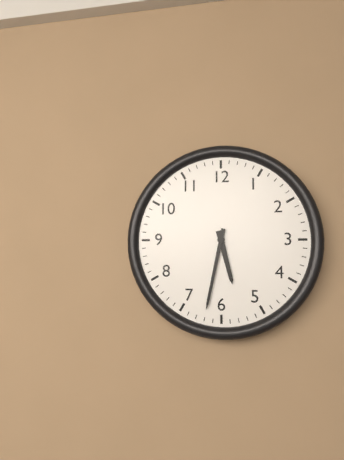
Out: {"hour": 5, "minute": 32}
